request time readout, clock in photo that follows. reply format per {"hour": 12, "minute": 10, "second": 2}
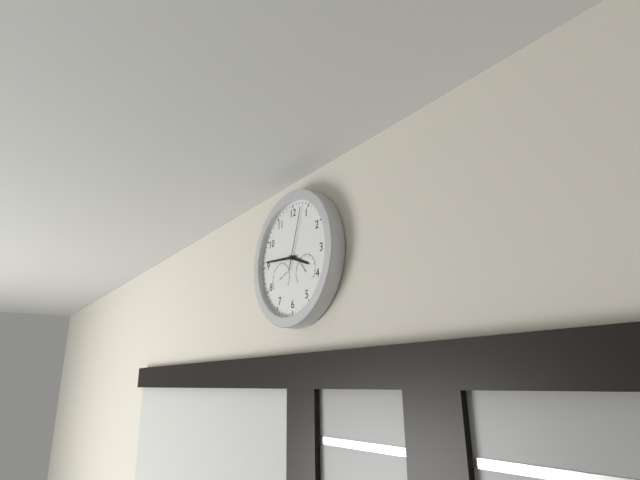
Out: {"hour": 3, "minute": 46, "second": 3}
